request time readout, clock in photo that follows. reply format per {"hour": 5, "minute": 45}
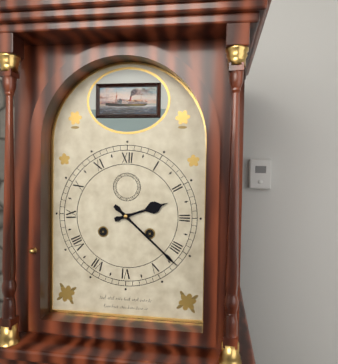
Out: {"hour": 2, "minute": 22}
